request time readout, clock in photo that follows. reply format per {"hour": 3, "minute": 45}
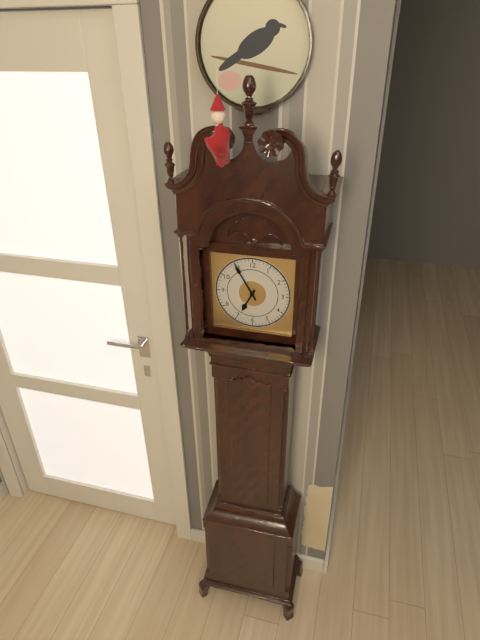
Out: {"hour": 6, "minute": 55}
